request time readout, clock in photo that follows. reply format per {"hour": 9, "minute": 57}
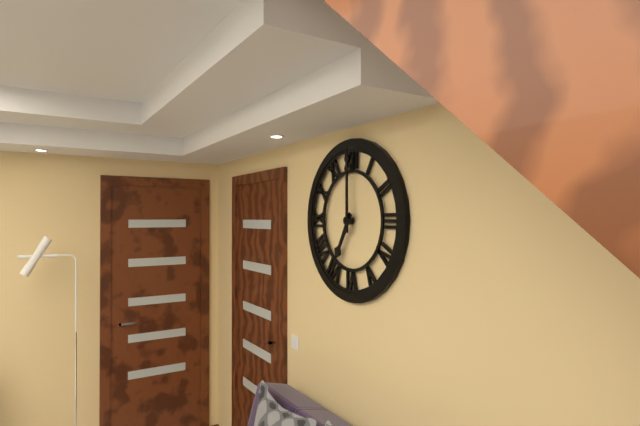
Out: {"hour": 7, "minute": 0}
